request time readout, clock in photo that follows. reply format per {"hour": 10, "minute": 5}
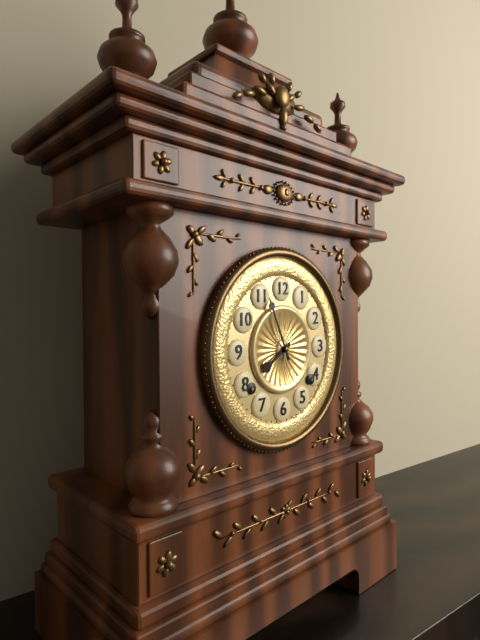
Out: {"hour": 7, "minute": 56}
